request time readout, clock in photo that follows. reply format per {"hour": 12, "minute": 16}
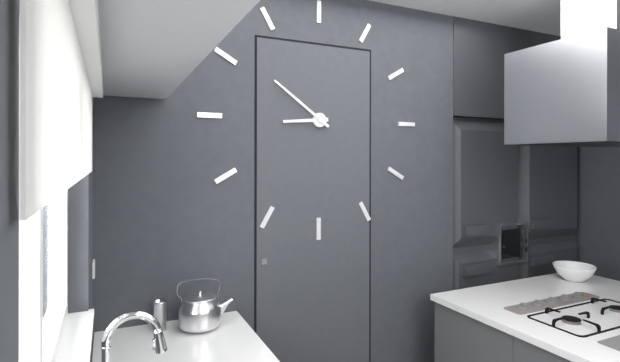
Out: {"hour": 8, "minute": 51}
